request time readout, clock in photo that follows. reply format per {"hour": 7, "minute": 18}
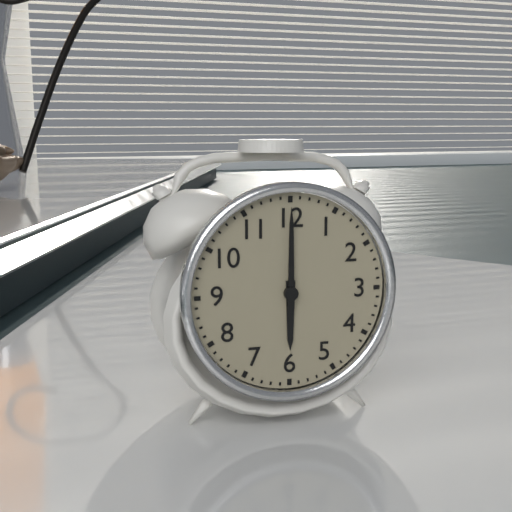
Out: {"hour": 6, "minute": 0}
